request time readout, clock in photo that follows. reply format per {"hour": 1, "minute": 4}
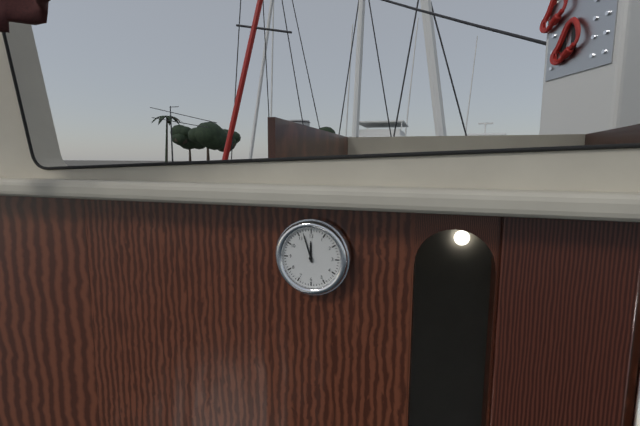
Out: {"hour": 11, "minute": 57}
